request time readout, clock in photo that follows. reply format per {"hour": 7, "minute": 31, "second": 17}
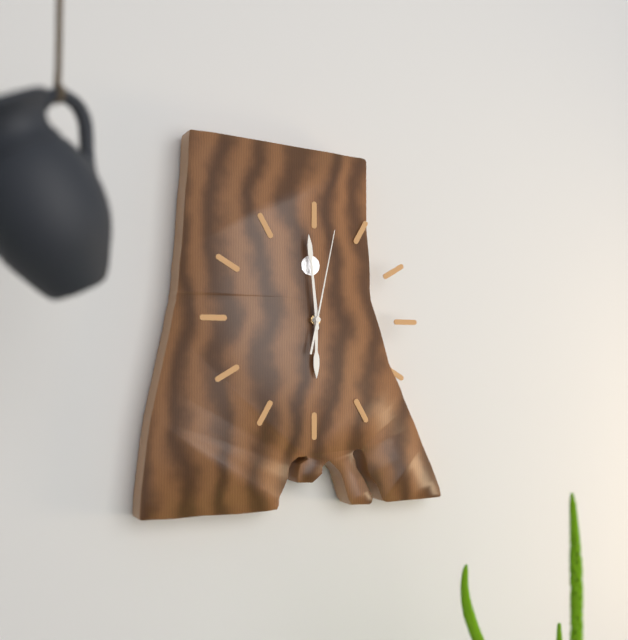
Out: {"hour": 5, "minute": 59, "second": 2}
